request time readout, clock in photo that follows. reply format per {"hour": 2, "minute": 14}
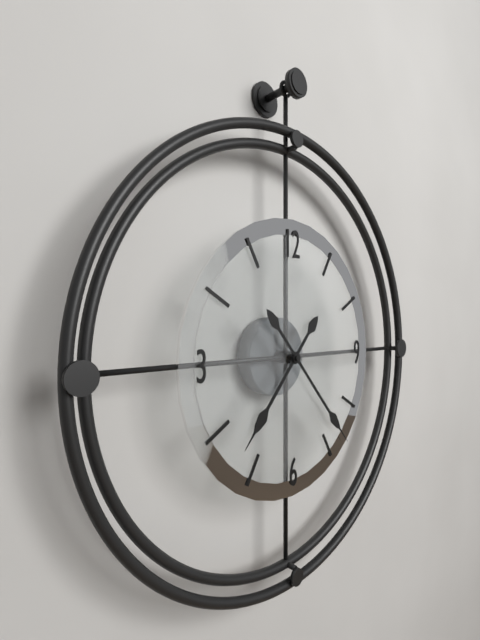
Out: {"hour": 7, "minute": 23}
